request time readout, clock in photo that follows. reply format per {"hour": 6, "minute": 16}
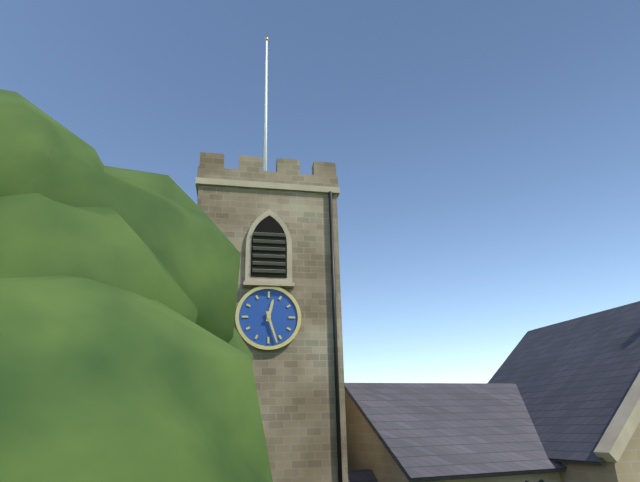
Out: {"hour": 12, "minute": 27}
